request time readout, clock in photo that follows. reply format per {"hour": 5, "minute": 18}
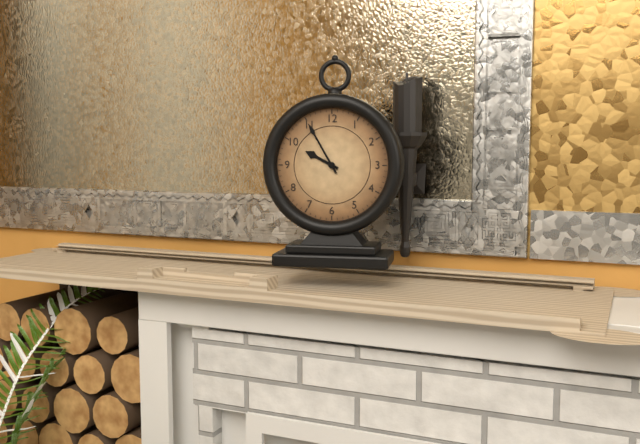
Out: {"hour": 9, "minute": 55}
